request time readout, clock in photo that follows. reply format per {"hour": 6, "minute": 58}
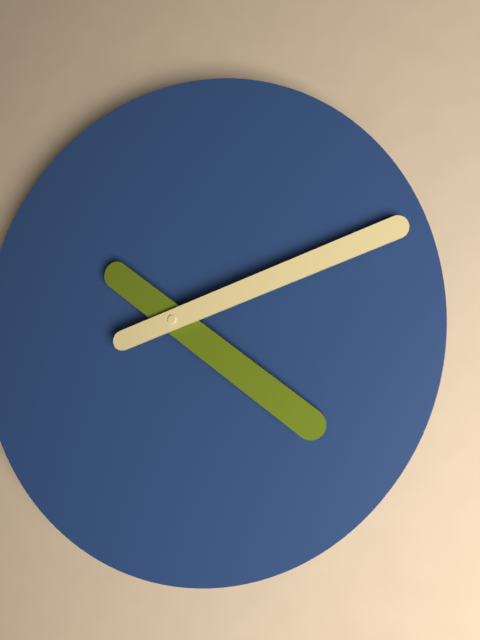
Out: {"hour": 4, "minute": 12}
